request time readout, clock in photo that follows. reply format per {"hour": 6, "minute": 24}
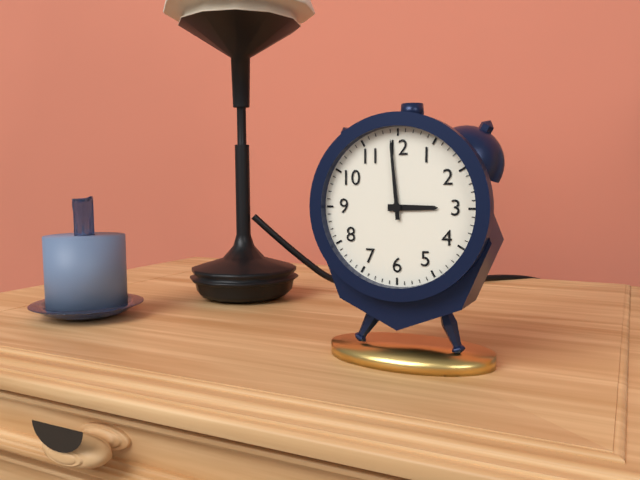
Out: {"hour": 2, "minute": 59}
